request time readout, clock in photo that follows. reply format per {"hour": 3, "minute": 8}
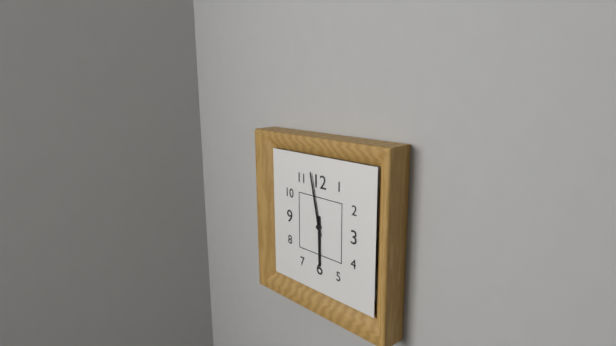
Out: {"hour": 5, "minute": 58}
